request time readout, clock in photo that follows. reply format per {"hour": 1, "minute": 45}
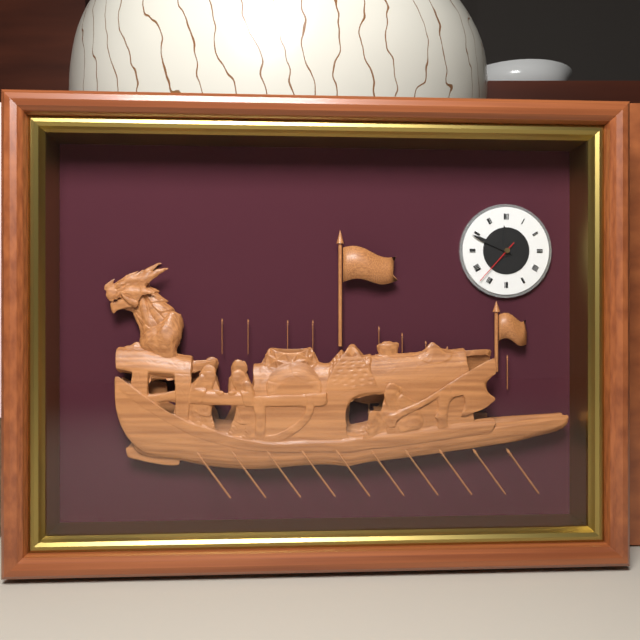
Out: {"hour": 11, "minute": 49}
